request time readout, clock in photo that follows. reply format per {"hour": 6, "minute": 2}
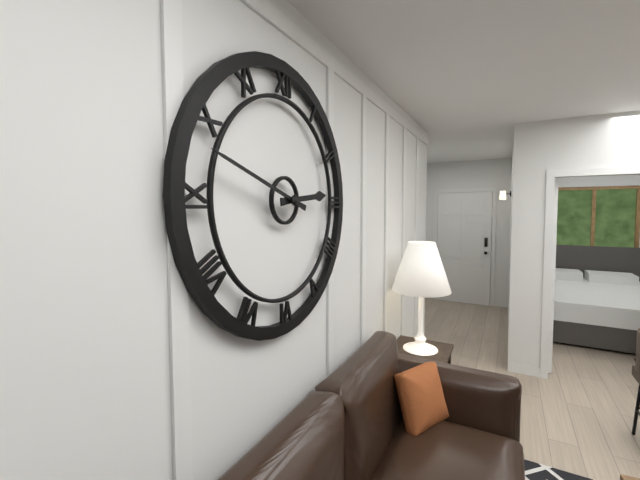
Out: {"hour": 2, "minute": 48}
